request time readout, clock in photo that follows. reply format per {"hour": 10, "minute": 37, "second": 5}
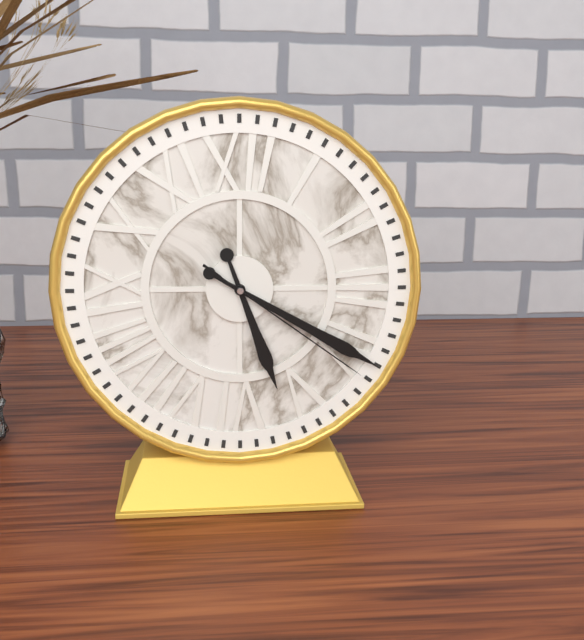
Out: {"hour": 5, "minute": 20, "second": 21}
